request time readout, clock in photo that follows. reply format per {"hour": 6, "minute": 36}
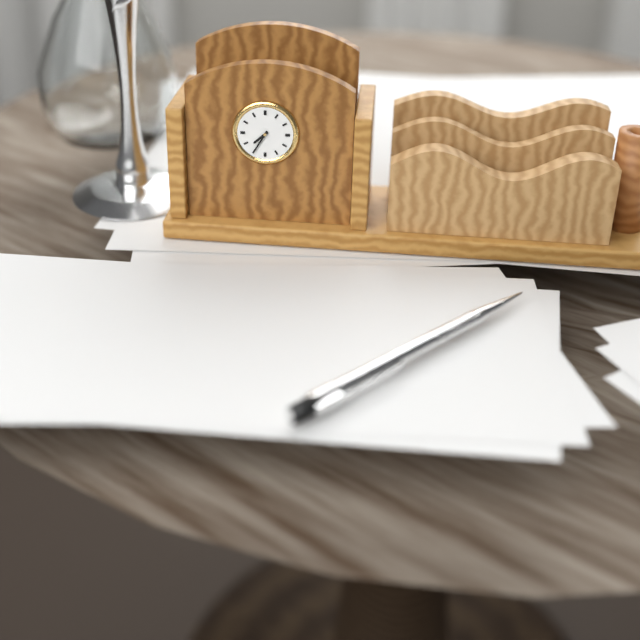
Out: {"hour": 7, "minute": 35}
